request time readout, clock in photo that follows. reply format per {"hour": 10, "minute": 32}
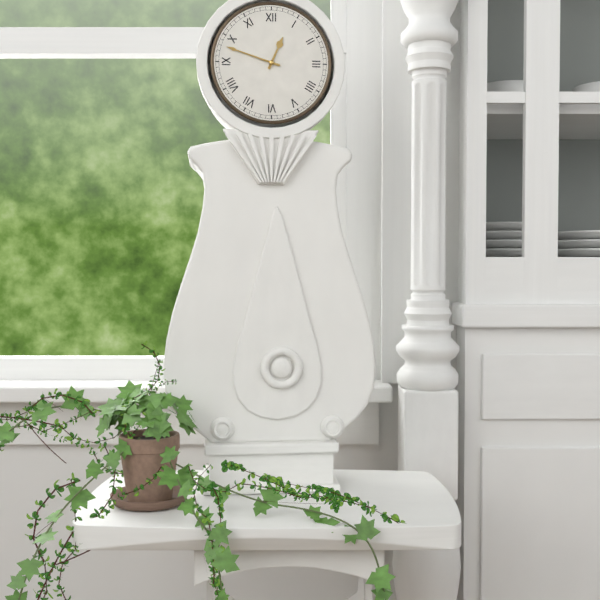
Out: {"hour": 12, "minute": 48}
